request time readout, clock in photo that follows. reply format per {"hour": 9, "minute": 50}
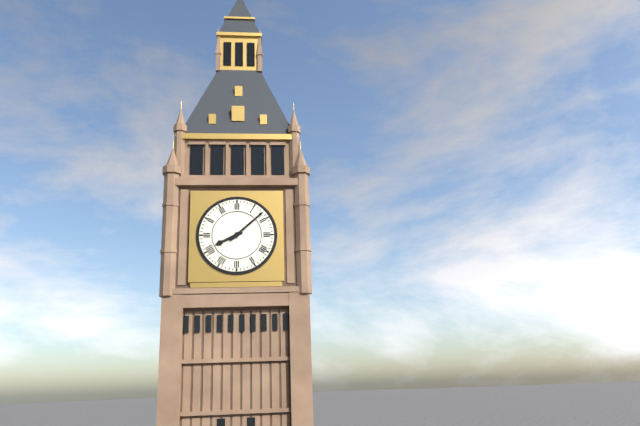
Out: {"hour": 8, "minute": 8}
